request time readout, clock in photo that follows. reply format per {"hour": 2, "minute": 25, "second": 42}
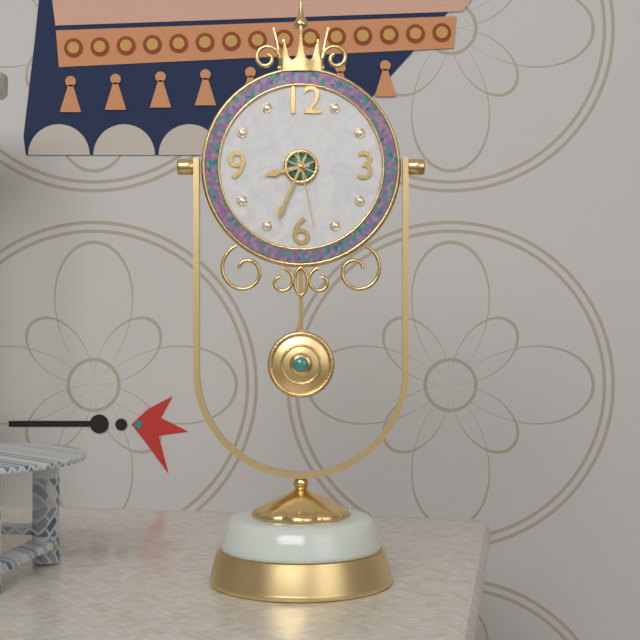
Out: {"hour": 8, "minute": 34, "second": 28}
